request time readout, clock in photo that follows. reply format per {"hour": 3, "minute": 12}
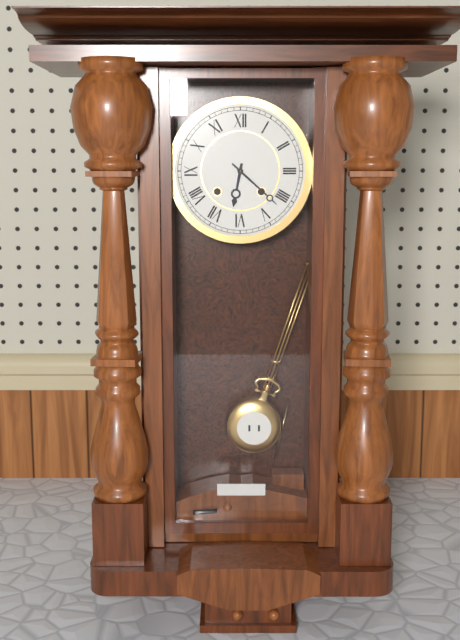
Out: {"hour": 6, "minute": 22}
